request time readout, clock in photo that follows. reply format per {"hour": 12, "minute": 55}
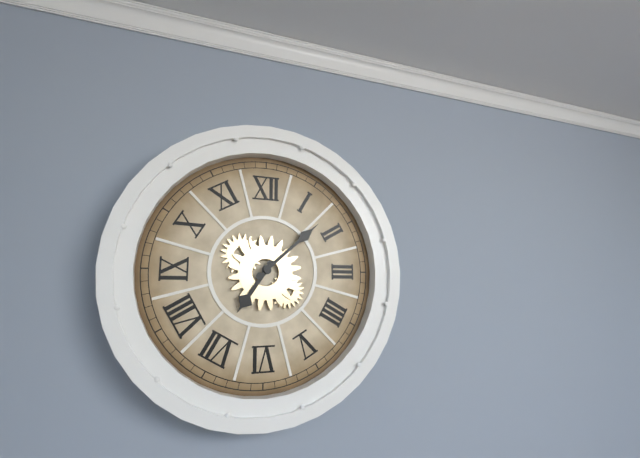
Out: {"hour": 7, "minute": 8}
